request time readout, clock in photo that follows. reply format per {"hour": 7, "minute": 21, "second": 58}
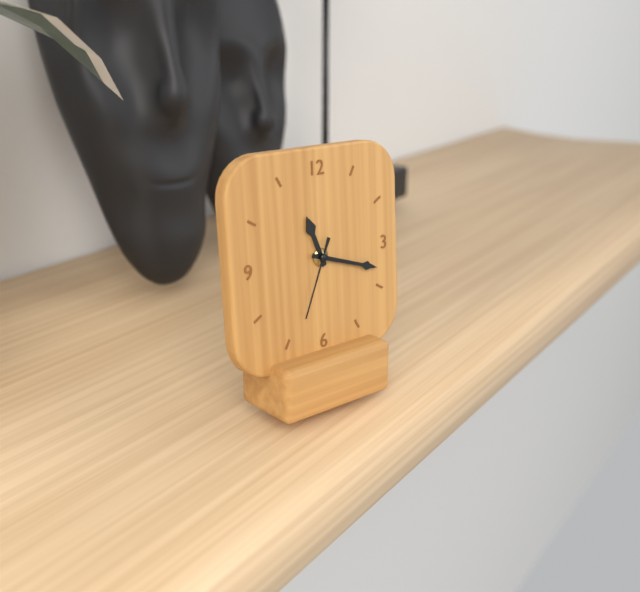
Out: {"hour": 11, "minute": 18, "second": 34}
